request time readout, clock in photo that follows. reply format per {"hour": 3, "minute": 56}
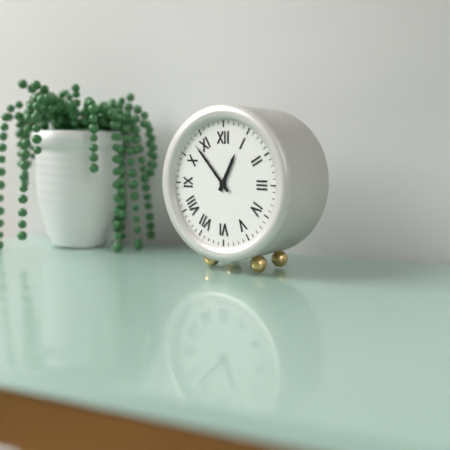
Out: {"hour": 12, "minute": 53}
